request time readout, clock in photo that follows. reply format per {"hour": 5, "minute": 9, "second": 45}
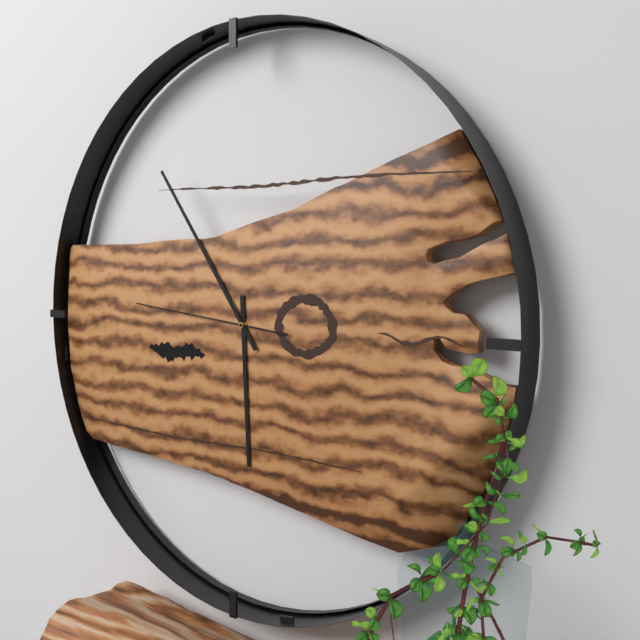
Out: {"hour": 5, "minute": 54, "second": 46}
